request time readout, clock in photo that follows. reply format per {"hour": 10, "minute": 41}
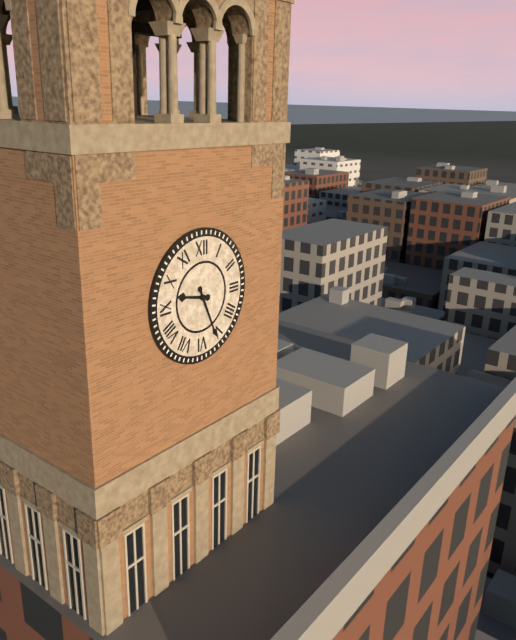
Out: {"hour": 9, "minute": 26}
